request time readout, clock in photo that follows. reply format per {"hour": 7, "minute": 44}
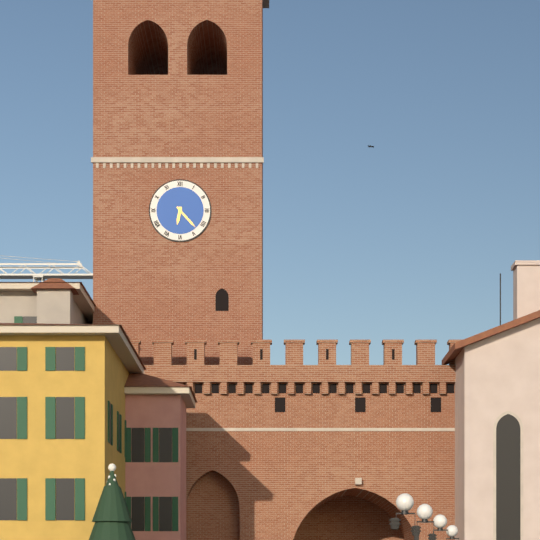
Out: {"hour": 6, "minute": 23}
